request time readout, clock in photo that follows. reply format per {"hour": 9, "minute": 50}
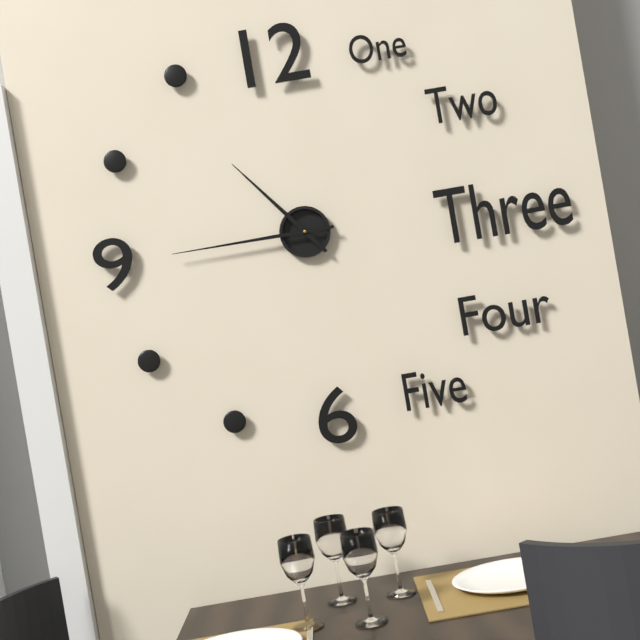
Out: {"hour": 10, "minute": 45}
